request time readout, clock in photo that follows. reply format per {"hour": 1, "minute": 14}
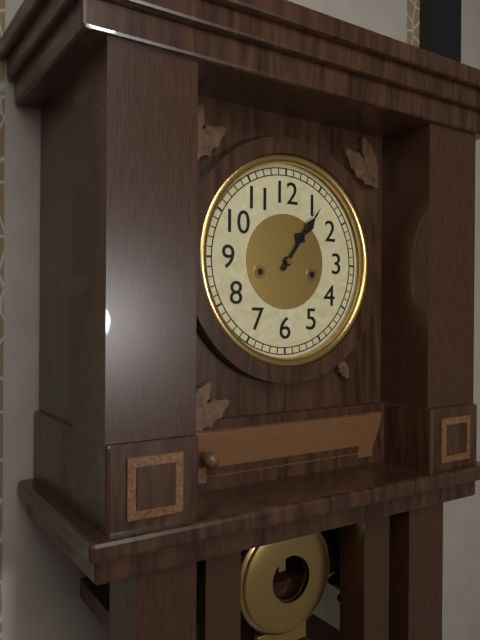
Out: {"hour": 1, "minute": 6}
